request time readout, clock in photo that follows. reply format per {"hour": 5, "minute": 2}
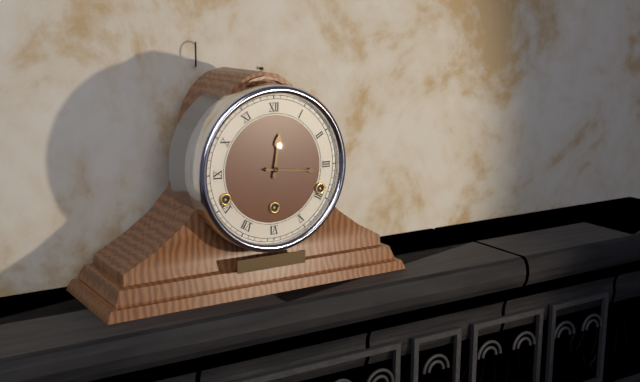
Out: {"hour": 12, "minute": 16}
